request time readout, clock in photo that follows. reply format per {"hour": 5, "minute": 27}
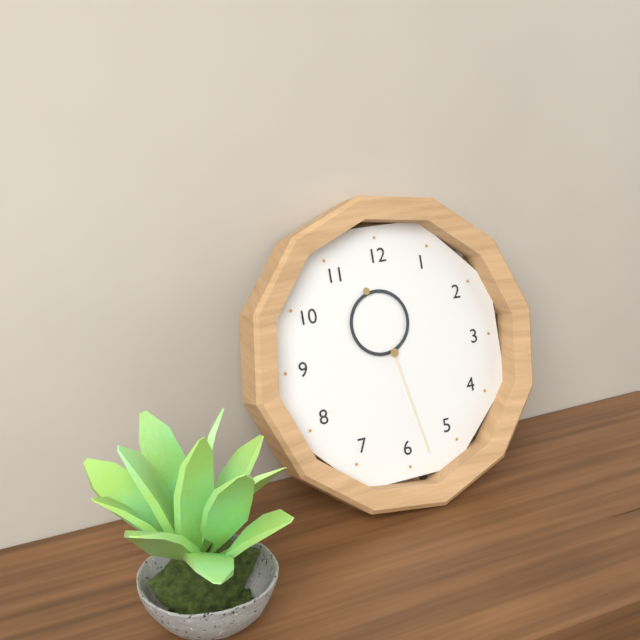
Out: {"hour": 11, "minute": 28}
